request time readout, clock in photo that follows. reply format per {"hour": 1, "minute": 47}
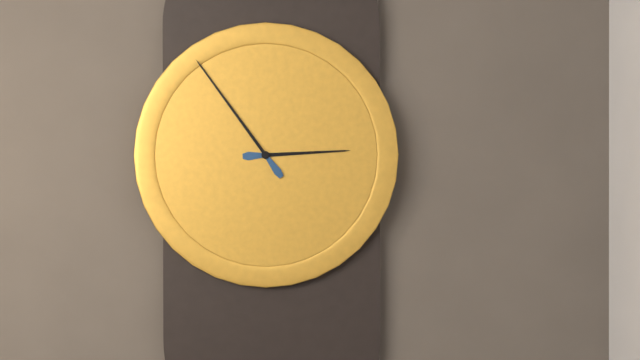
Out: {"hour": 2, "minute": 54}
